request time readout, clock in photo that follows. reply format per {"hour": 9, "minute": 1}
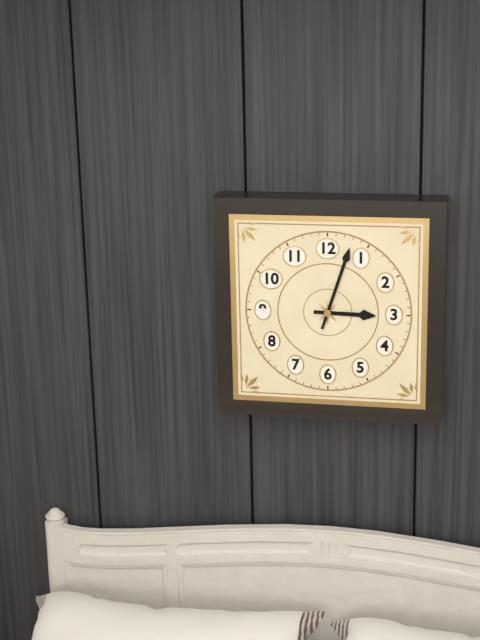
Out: {"hour": 3, "minute": 3}
